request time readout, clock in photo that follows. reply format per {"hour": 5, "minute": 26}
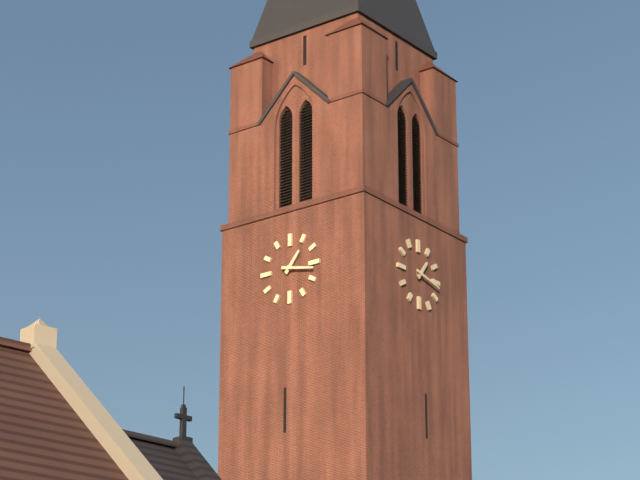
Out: {"hour": 1, "minute": 17}
